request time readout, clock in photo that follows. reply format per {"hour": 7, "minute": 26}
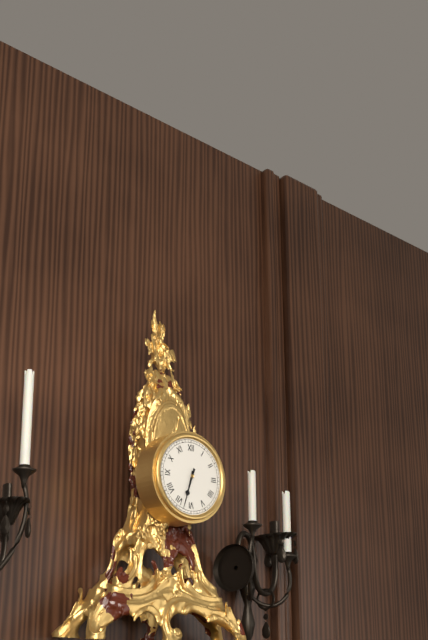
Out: {"hour": 6, "minute": 33}
